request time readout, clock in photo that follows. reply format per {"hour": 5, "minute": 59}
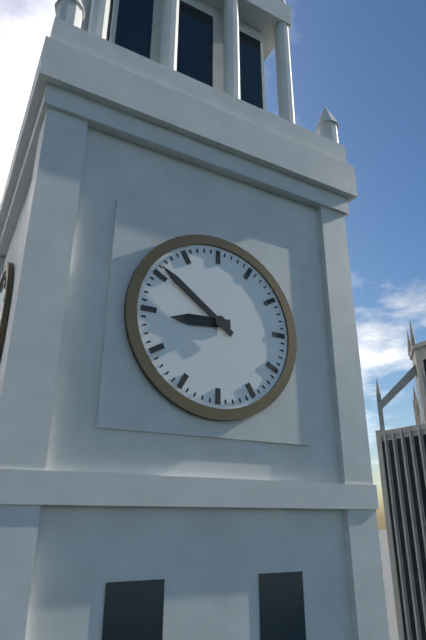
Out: {"hour": 8, "minute": 51}
